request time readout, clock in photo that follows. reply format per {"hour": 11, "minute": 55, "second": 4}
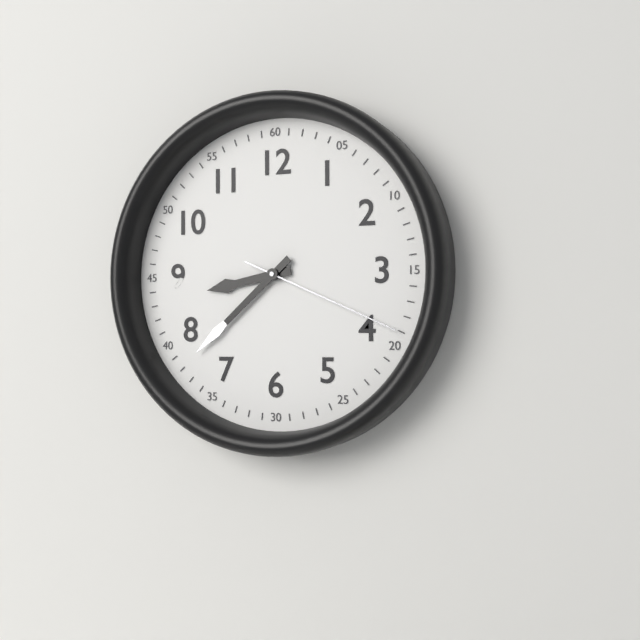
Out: {"hour": 8, "minute": 38, "second": 19}
